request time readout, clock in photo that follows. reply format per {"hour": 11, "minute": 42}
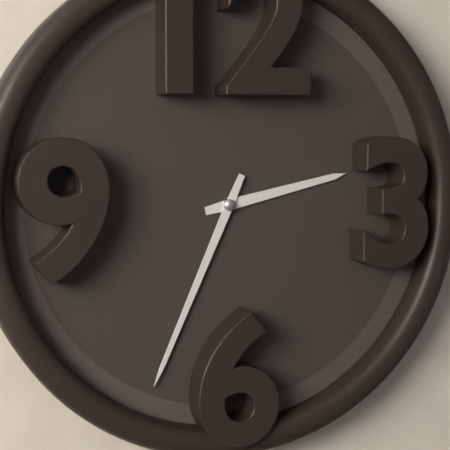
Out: {"hour": 2, "minute": 34}
